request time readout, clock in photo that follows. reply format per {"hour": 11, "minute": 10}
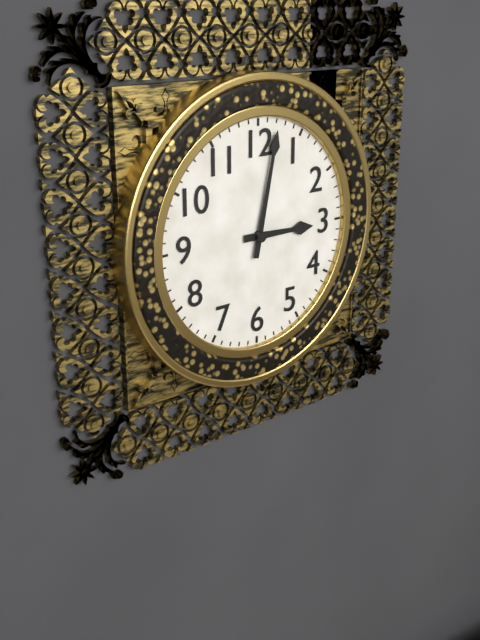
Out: {"hour": 3, "minute": 2}
